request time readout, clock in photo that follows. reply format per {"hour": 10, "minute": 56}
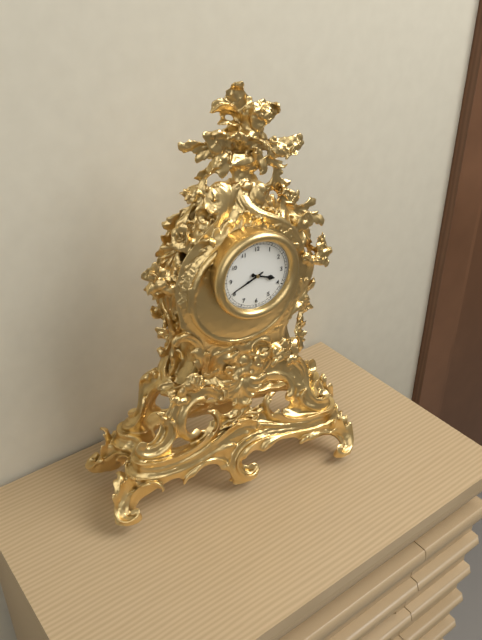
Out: {"hour": 3, "minute": 41}
